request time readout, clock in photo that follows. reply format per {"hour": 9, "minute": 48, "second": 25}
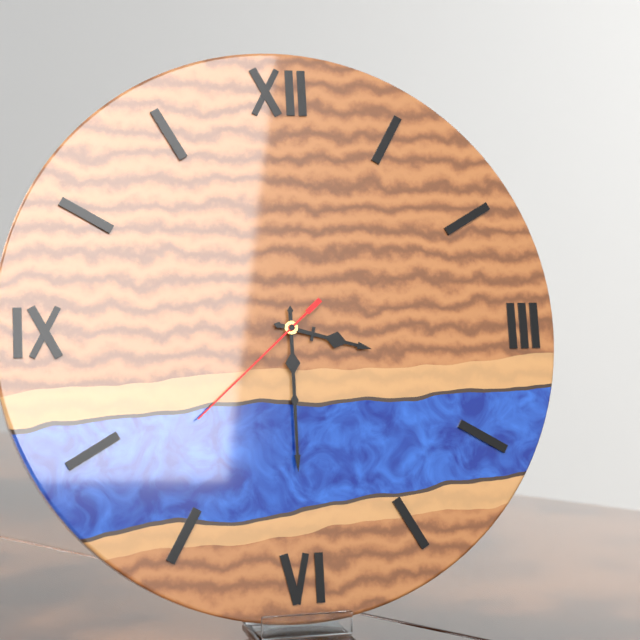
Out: {"hour": 3, "minute": 30, "second": 38}
